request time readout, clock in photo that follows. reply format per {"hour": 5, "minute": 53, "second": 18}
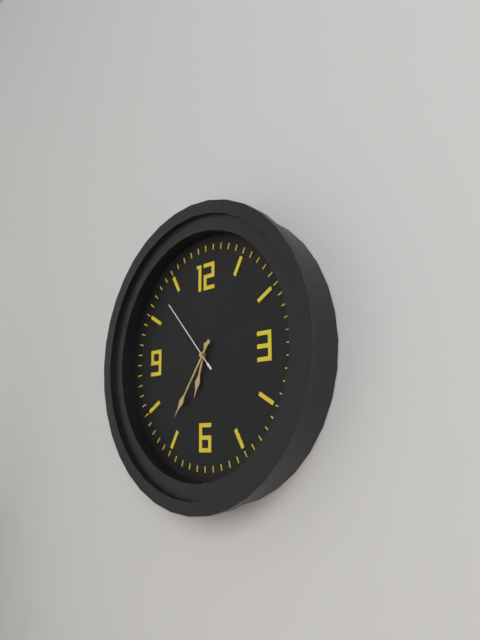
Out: {"hour": 6, "minute": 36, "second": 53}
